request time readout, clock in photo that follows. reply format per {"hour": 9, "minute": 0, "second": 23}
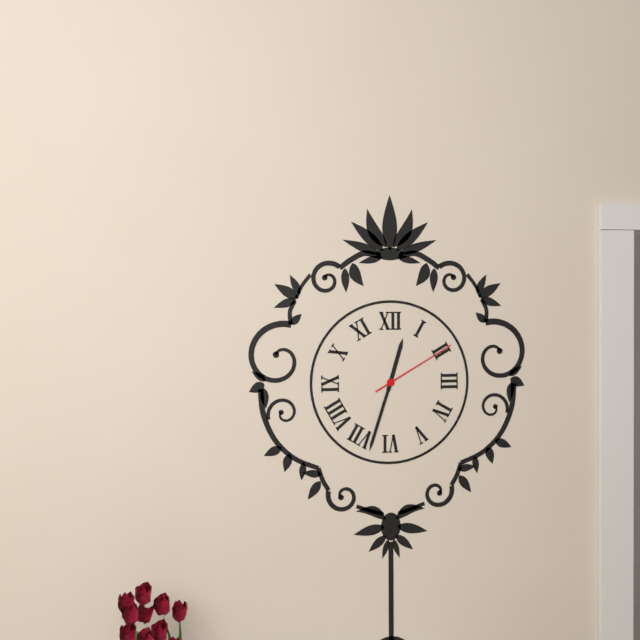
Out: {"hour": 12, "minute": 33, "second": 10}
